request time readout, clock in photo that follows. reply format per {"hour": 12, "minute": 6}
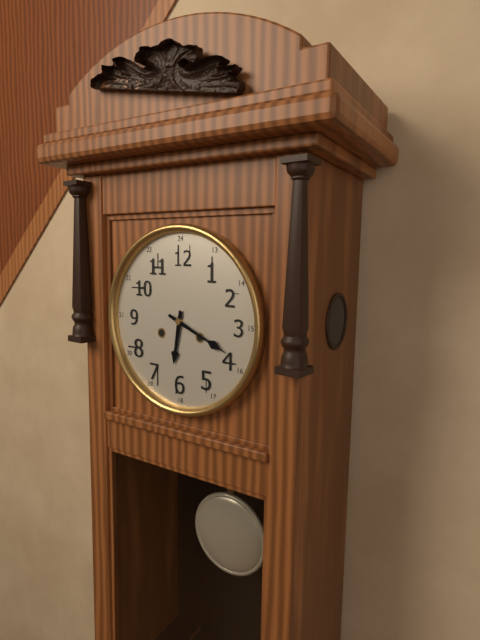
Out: {"hour": 6, "minute": 19}
